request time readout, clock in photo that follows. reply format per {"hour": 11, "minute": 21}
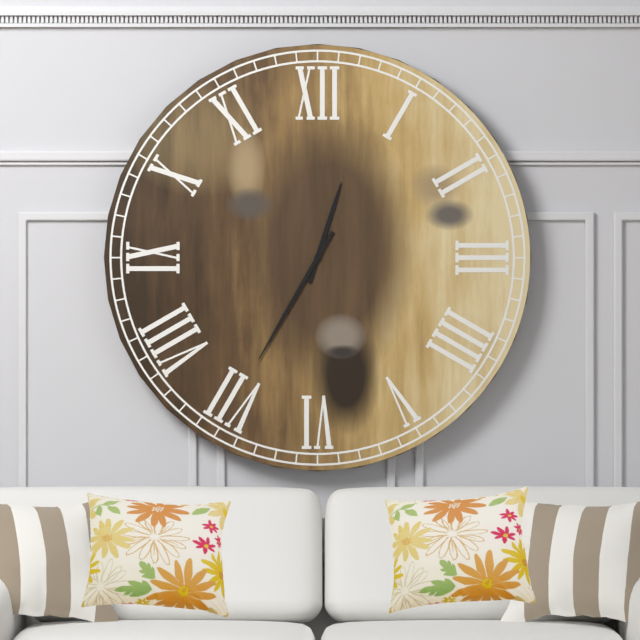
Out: {"hour": 12, "minute": 35}
